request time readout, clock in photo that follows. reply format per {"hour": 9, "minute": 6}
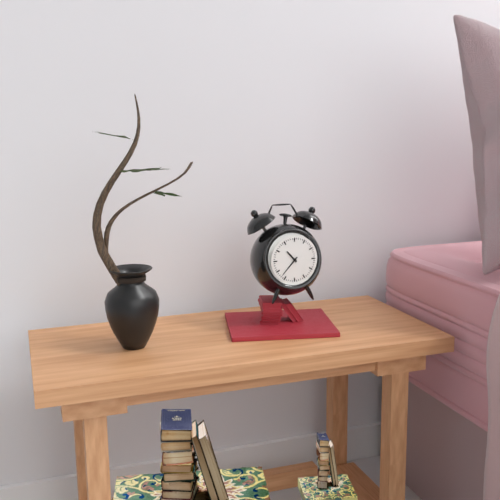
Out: {"hour": 10, "minute": 37}
